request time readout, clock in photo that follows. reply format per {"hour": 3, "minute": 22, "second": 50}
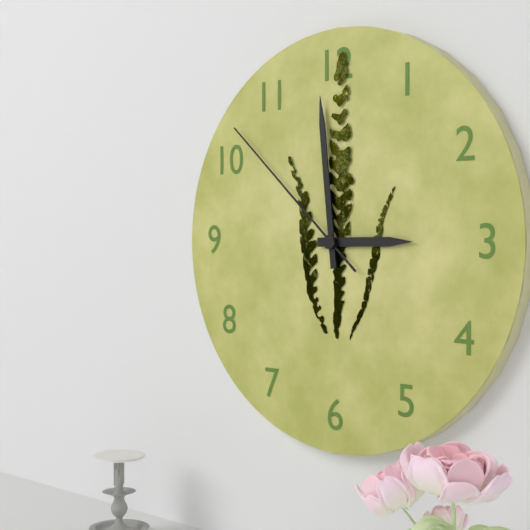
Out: {"hour": 2, "minute": 59, "second": 52}
